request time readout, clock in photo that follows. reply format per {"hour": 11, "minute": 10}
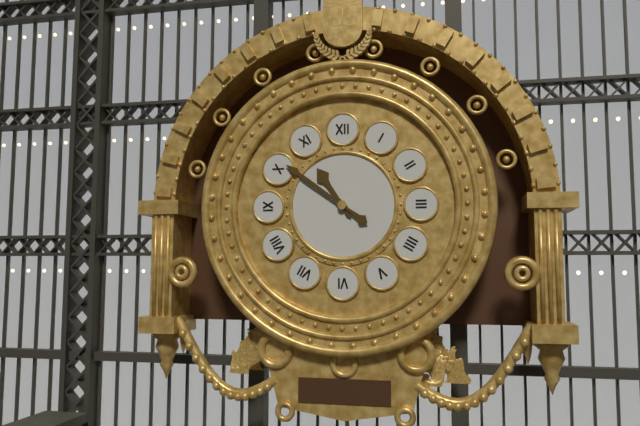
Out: {"hour": 10, "minute": 51}
